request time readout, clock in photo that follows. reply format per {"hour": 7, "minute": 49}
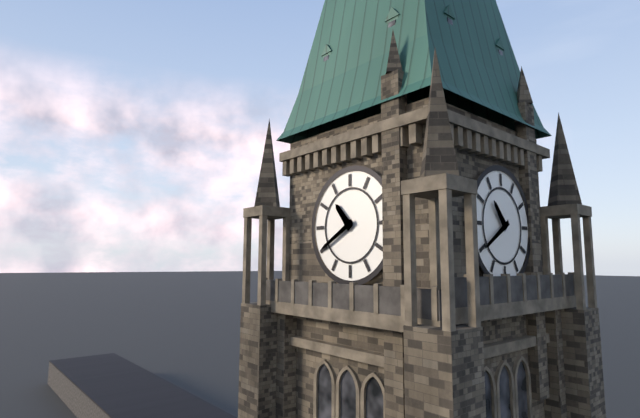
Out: {"hour": 10, "minute": 40}
